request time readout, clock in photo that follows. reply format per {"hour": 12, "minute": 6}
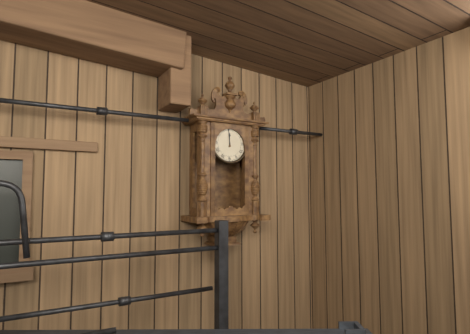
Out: {"hour": 11, "minute": 59}
